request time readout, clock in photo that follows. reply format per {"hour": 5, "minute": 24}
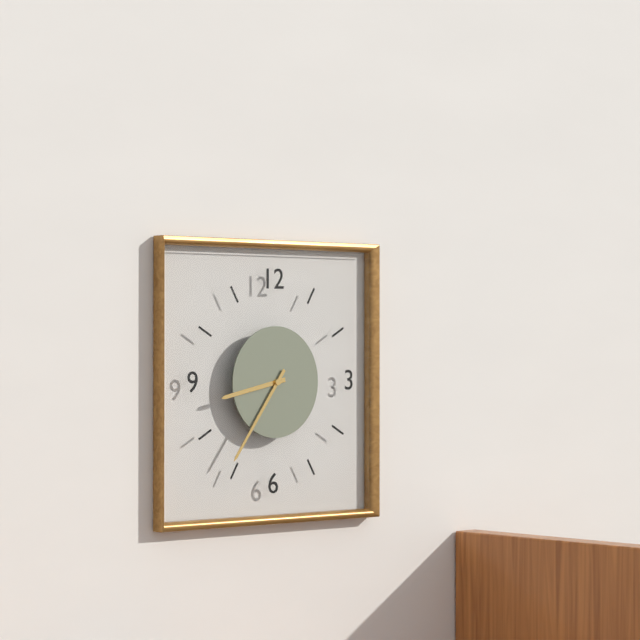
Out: {"hour": 8, "minute": 36}
